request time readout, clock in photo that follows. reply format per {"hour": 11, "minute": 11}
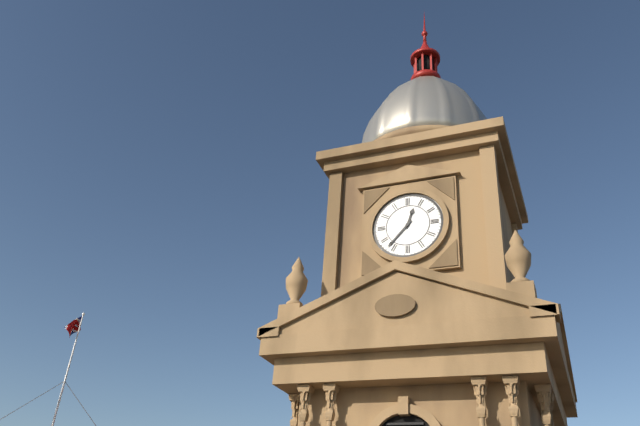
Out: {"hour": 12, "minute": 37}
